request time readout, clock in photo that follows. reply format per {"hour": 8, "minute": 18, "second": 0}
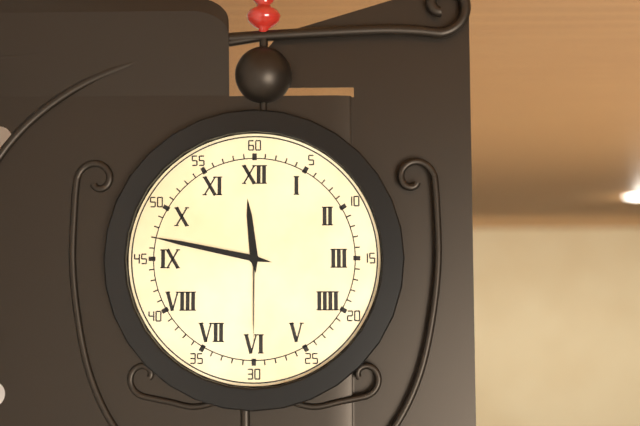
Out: {"hour": 11, "minute": 47, "second": 30}
